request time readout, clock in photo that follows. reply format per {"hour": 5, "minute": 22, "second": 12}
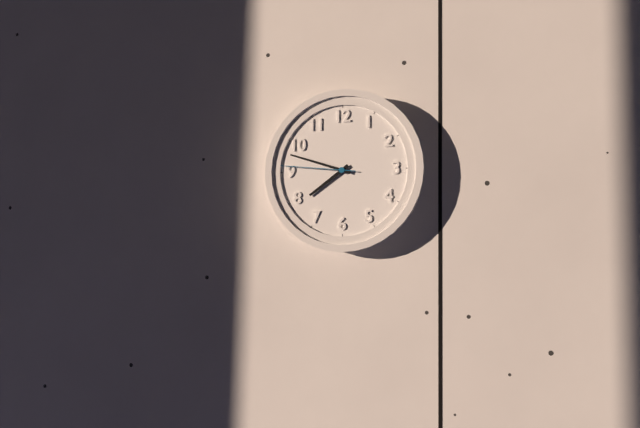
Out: {"hour": 7, "minute": 48, "second": 46}
